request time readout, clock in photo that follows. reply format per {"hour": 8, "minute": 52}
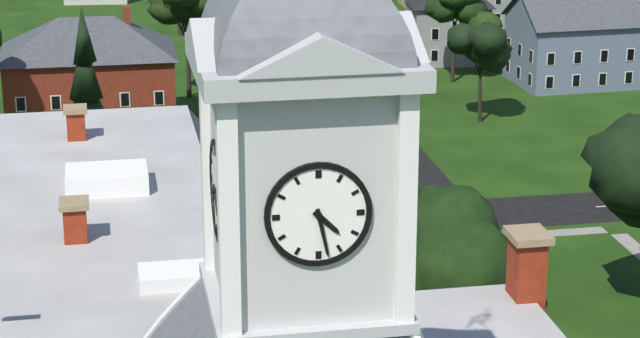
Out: {"hour": 4, "minute": 28}
